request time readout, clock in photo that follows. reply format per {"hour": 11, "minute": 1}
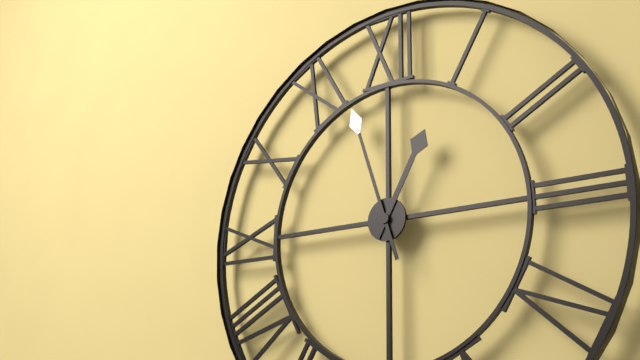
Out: {"hour": 12, "minute": 57}
